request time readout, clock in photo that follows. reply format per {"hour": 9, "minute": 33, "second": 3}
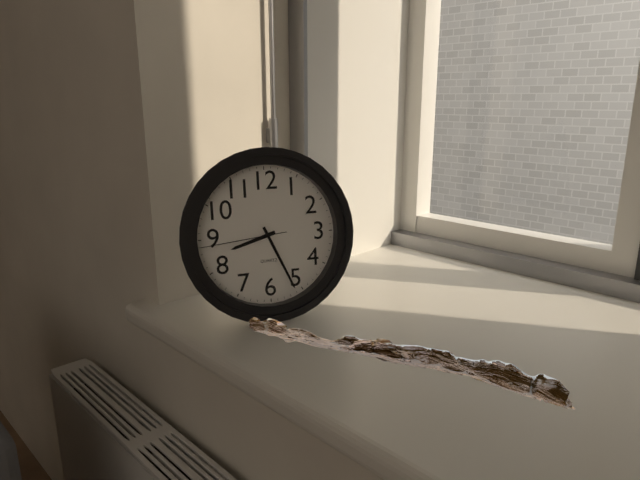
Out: {"hour": 8, "minute": 26, "second": 44}
